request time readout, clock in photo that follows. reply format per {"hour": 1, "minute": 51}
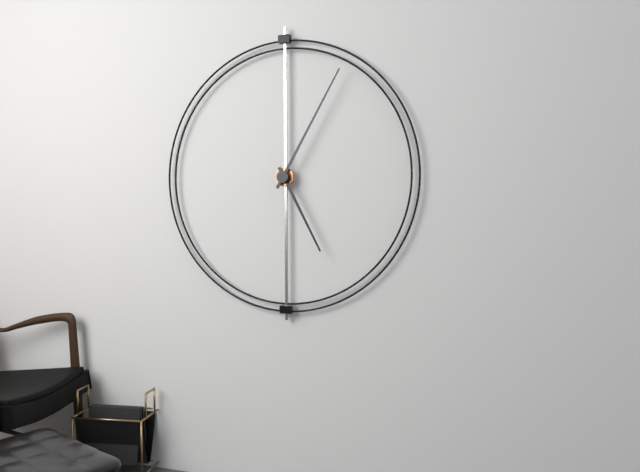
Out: {"hour": 5, "minute": 5}
